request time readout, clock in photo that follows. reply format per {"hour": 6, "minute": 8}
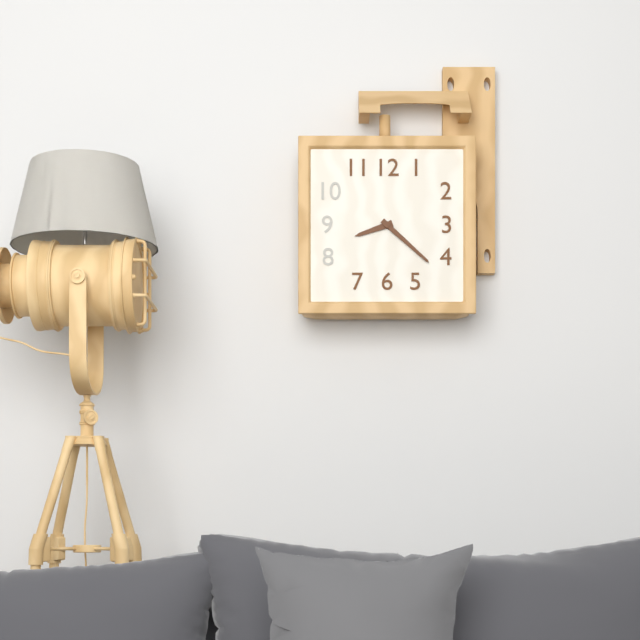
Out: {"hour": 8, "minute": 22}
